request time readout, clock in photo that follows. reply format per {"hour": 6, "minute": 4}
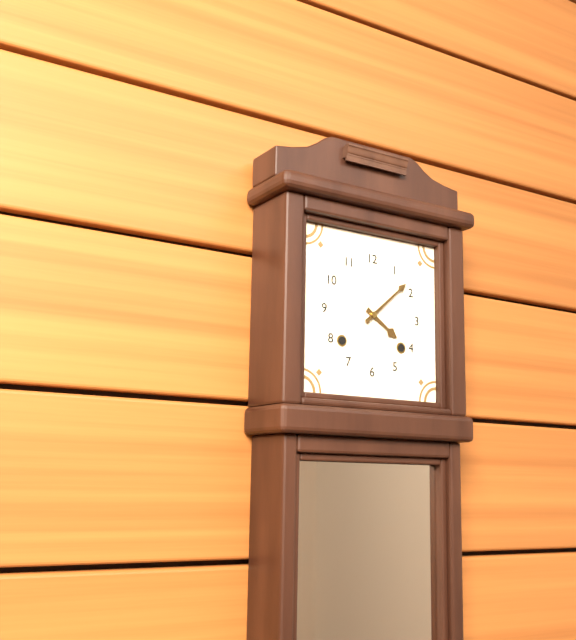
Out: {"hour": 4, "minute": 8}
